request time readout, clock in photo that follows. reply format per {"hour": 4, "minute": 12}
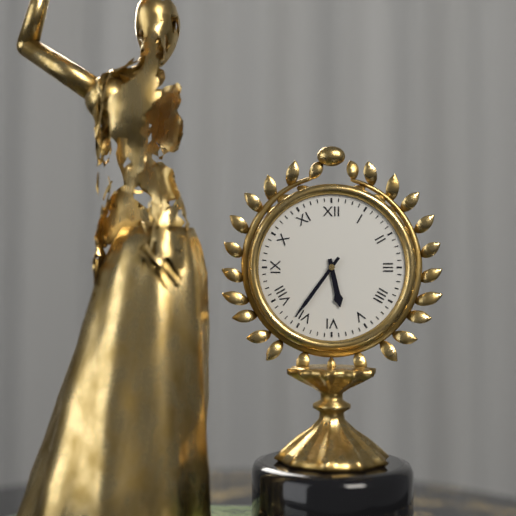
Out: {"hour": 5, "minute": 36}
